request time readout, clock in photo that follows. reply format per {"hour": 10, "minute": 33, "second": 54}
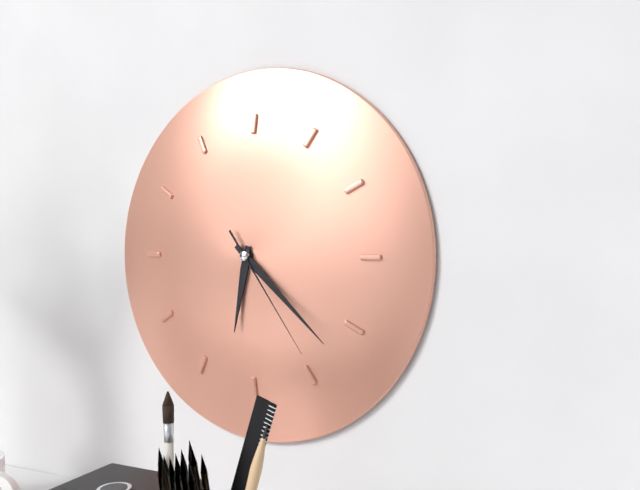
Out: {"hour": 6, "minute": 22, "second": 24}
